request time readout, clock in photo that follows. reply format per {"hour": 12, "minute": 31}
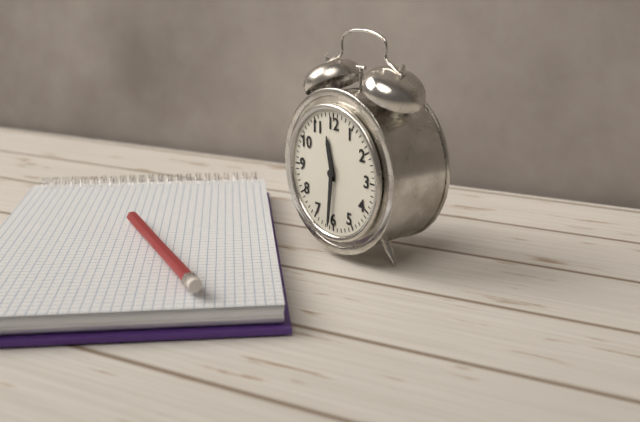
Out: {"hour": 11, "minute": 31}
